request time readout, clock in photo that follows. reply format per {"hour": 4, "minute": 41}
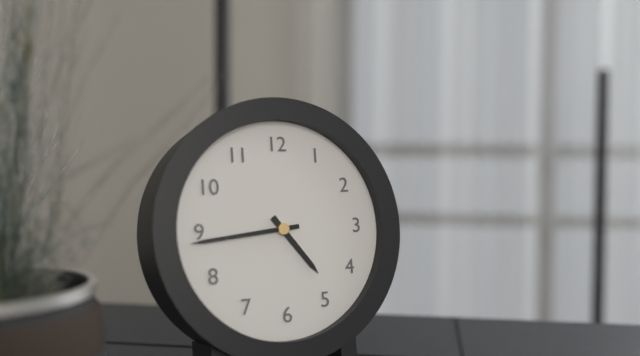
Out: {"hour": 4, "minute": 44}
